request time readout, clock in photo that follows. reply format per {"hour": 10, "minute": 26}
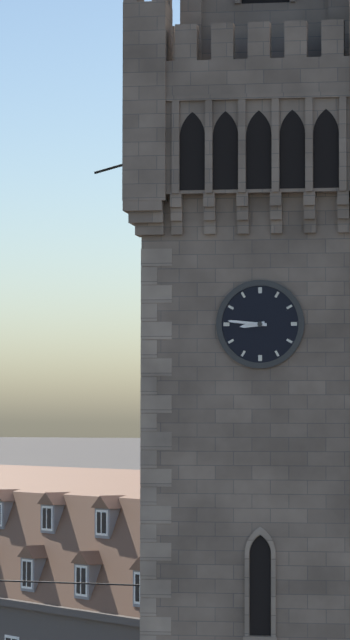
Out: {"hour": 8, "minute": 46}
